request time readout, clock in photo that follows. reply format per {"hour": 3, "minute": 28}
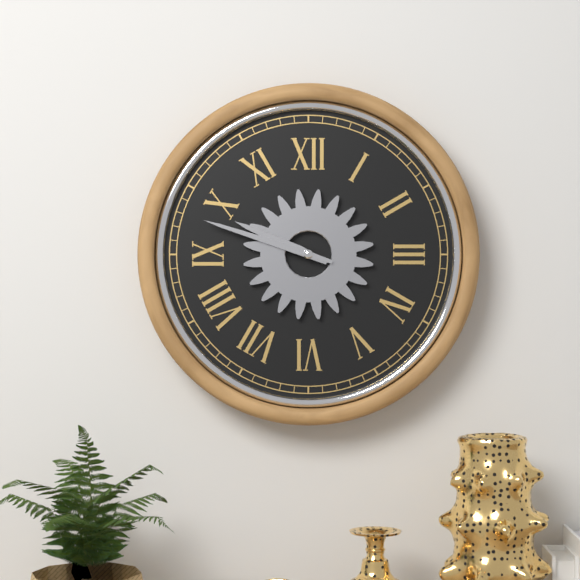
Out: {"hour": 9, "minute": 48}
